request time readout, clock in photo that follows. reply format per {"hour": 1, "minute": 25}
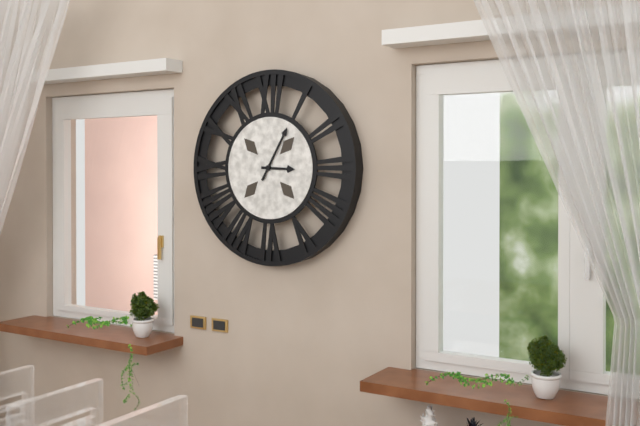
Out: {"hour": 3, "minute": 5}
